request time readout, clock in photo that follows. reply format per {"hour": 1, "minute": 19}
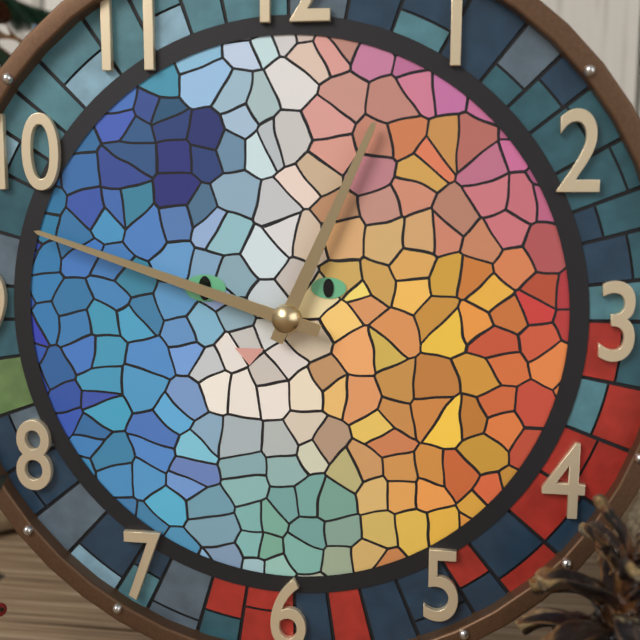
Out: {"hour": 12, "minute": 48}
